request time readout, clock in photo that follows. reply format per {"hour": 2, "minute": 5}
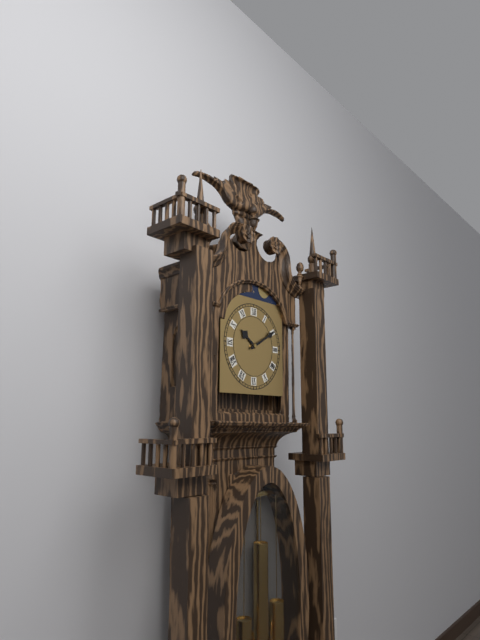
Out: {"hour": 10, "minute": 10}
